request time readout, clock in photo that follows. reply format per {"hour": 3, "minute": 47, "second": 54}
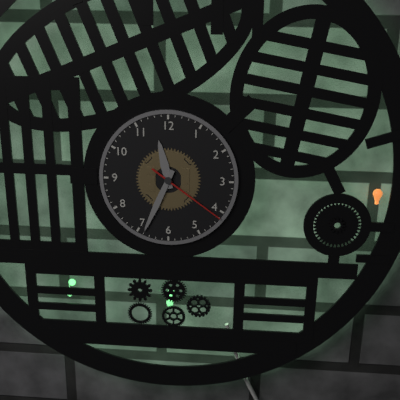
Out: {"hour": 11, "minute": 34, "second": 21}
